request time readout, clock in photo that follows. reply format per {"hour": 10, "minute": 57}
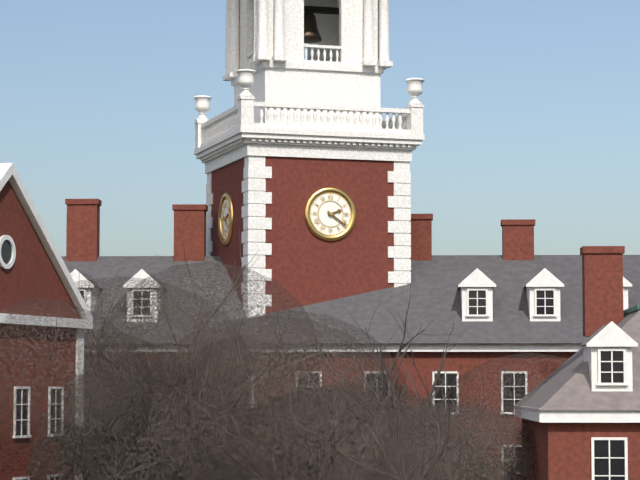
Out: {"hour": 2, "minute": 21}
